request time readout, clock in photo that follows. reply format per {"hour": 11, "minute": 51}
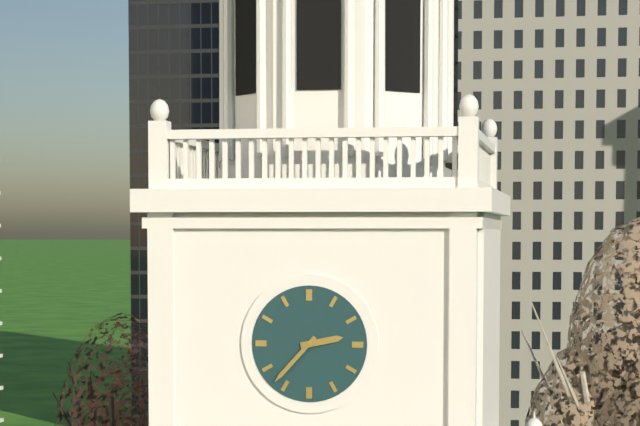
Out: {"hour": 2, "minute": 37}
